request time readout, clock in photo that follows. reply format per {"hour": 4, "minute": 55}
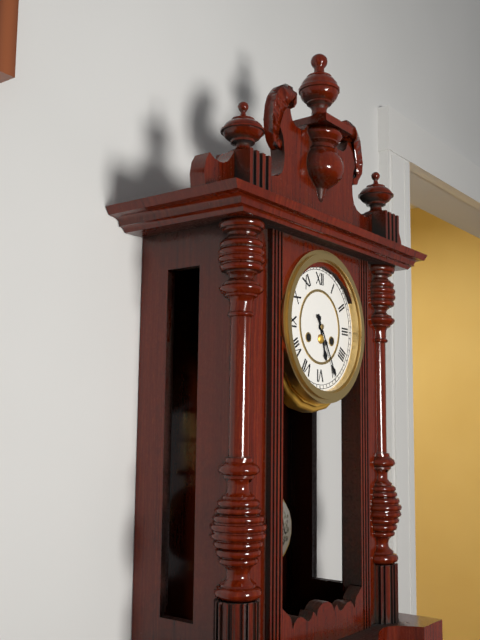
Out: {"hour": 5, "minute": 25}
